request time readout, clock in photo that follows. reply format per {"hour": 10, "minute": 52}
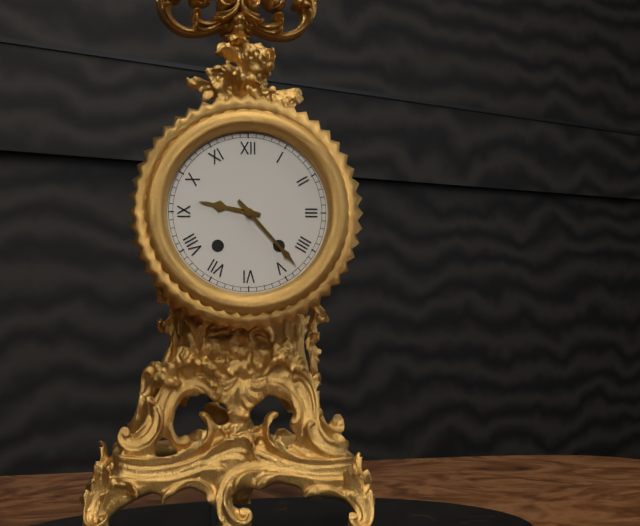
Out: {"hour": 9, "minute": 23}
